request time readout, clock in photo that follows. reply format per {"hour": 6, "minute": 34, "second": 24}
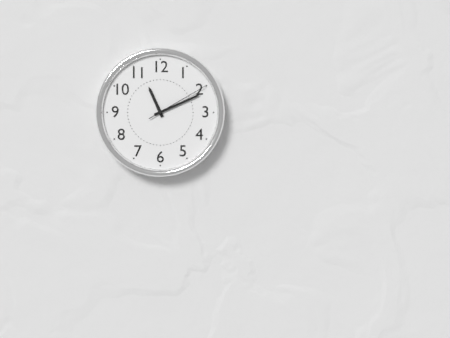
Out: {"hour": 11, "minute": 11, "second": 10}
